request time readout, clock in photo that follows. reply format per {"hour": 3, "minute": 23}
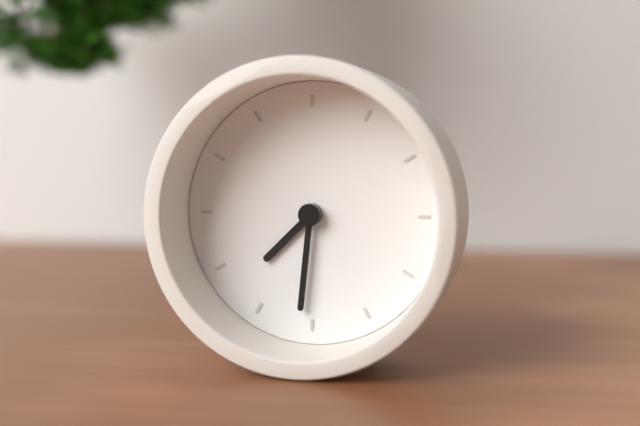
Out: {"hour": 7, "minute": 31}
